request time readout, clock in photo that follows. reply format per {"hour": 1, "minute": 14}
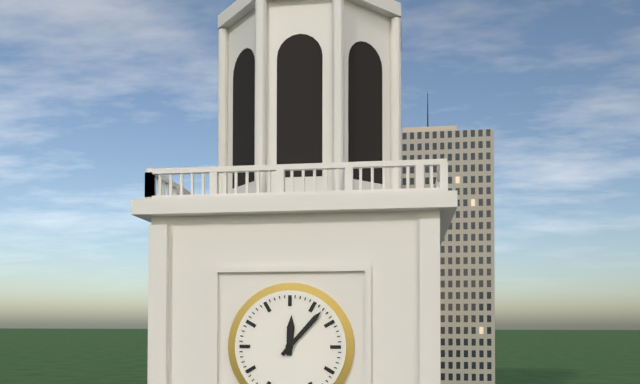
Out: {"hour": 12, "minute": 7}
